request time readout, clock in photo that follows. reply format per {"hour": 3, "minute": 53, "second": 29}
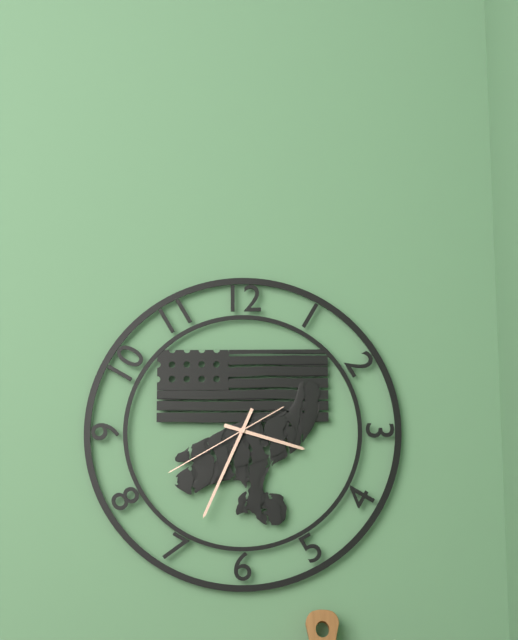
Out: {"hour": 3, "minute": 34, "second": 40}
